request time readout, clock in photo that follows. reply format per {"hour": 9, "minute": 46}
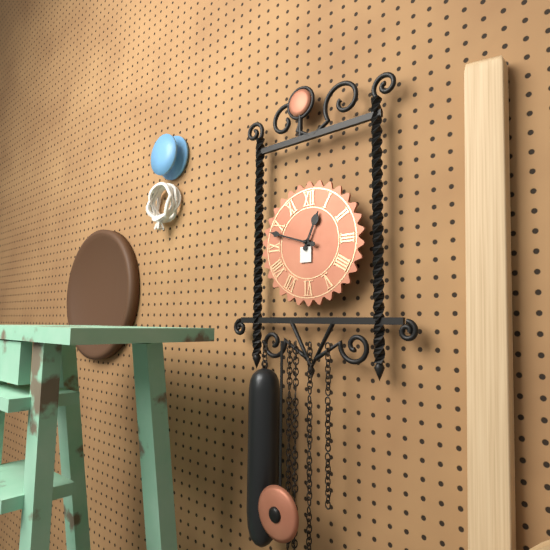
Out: {"hour": 12, "minute": 48}
